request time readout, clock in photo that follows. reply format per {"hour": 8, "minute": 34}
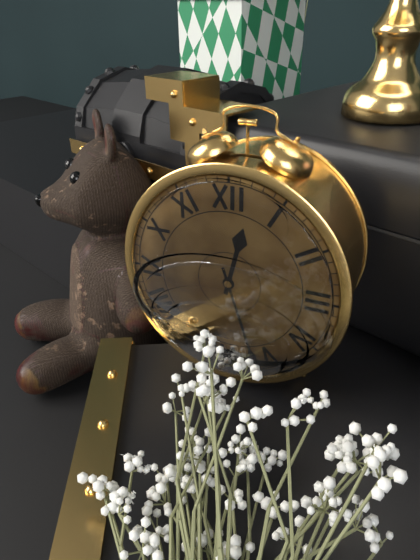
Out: {"hour": 12, "minute": 27}
